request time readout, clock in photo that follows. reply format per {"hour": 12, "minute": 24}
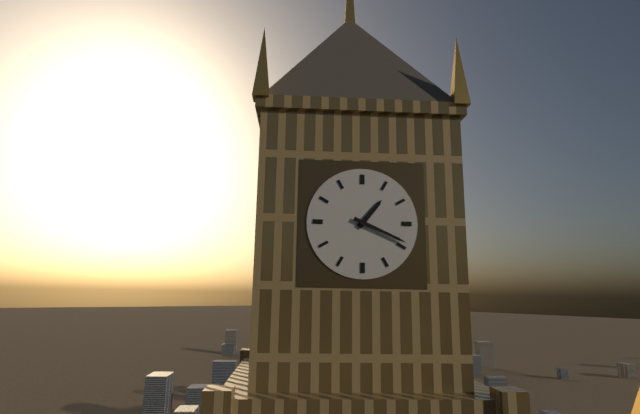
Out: {"hour": 1, "minute": 19}
